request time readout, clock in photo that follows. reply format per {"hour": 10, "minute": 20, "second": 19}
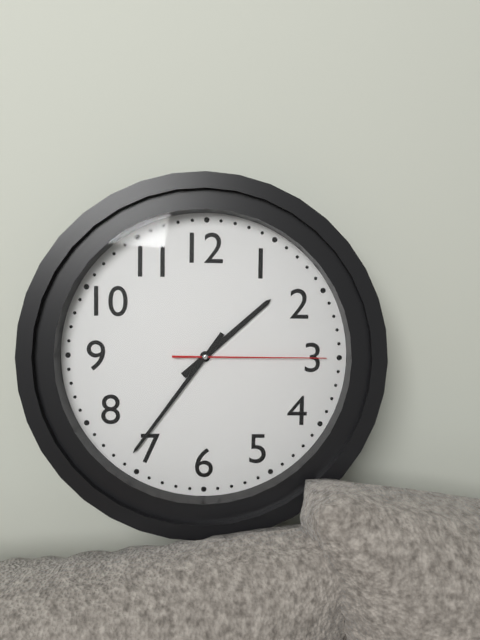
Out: {"hour": 1, "minute": 36, "second": 15}
